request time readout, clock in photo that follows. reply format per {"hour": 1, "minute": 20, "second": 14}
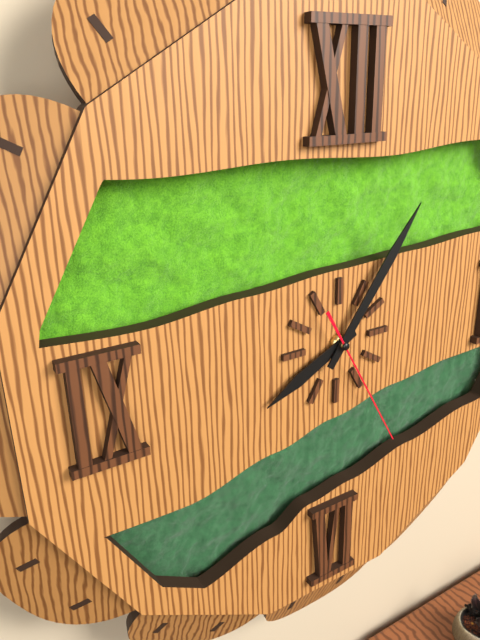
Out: {"hour": 8, "minute": 6, "second": 25}
